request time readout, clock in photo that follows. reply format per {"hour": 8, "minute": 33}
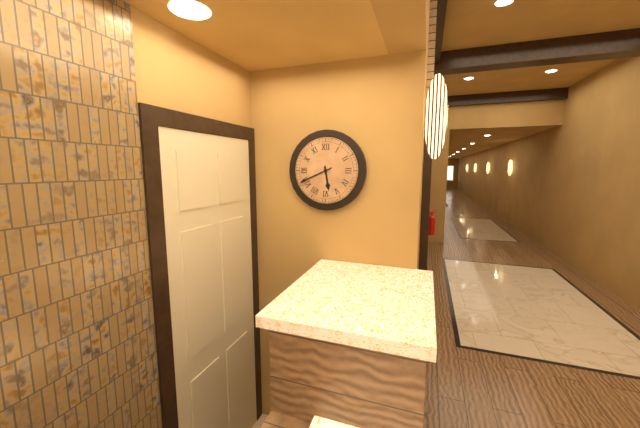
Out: {"hour": 5, "minute": 41}
